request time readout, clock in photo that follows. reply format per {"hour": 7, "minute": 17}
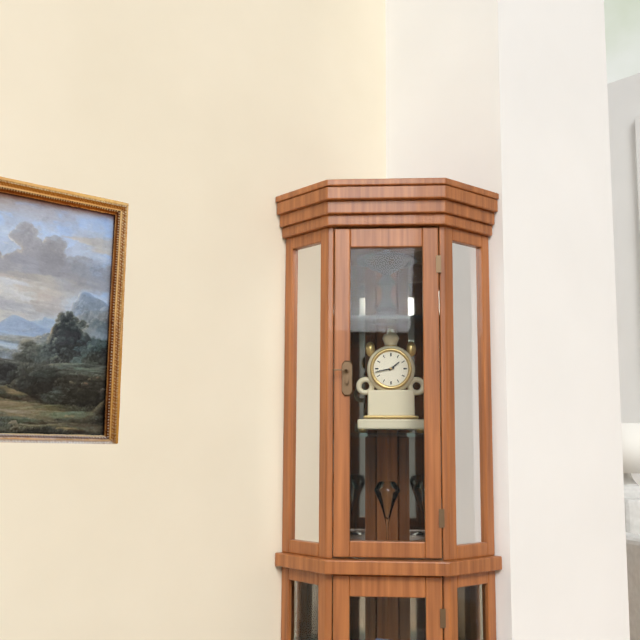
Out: {"hour": 1, "minute": 43}
